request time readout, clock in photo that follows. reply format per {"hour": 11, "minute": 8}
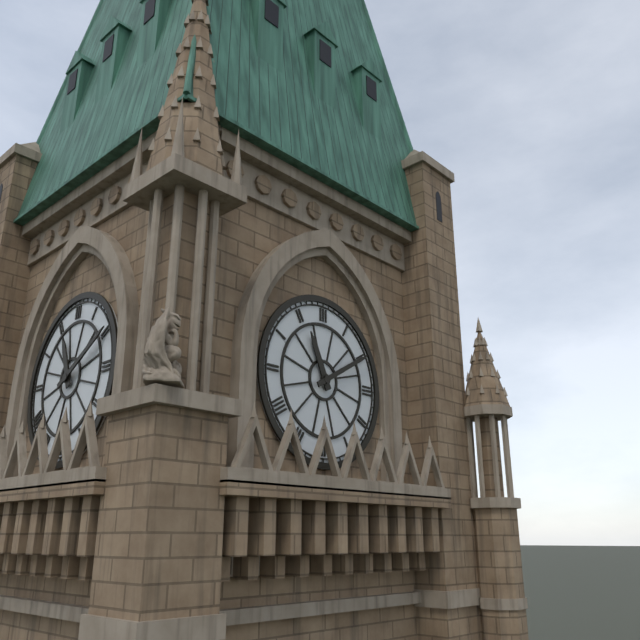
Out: {"hour": 11, "minute": 10}
